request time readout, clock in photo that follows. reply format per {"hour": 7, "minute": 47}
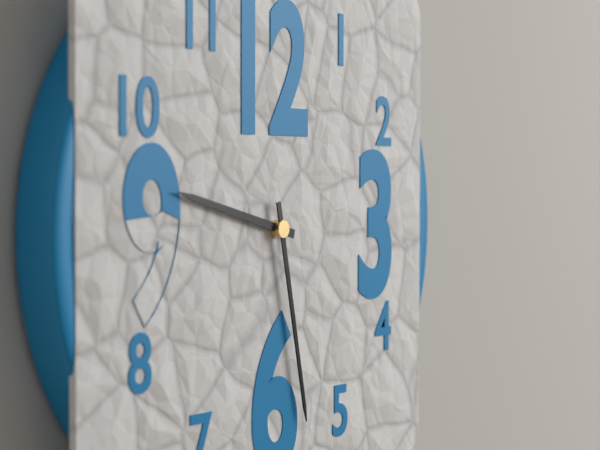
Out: {"hour": 9, "minute": 28}
